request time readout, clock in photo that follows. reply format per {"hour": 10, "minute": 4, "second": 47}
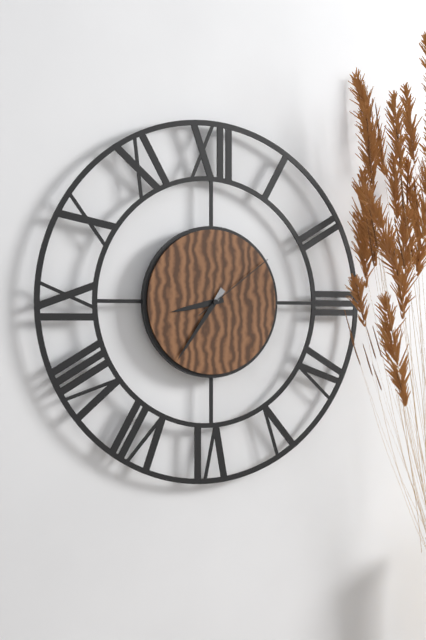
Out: {"hour": 8, "minute": 36, "second": 9}
